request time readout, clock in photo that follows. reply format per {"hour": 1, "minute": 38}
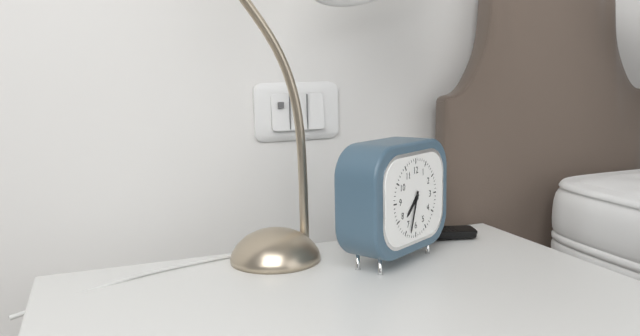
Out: {"hour": 7, "minute": 33}
